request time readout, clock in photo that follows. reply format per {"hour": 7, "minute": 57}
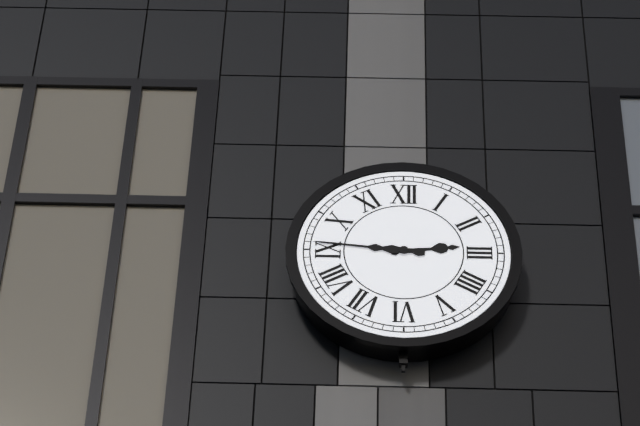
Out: {"hour": 2, "minute": 46}
